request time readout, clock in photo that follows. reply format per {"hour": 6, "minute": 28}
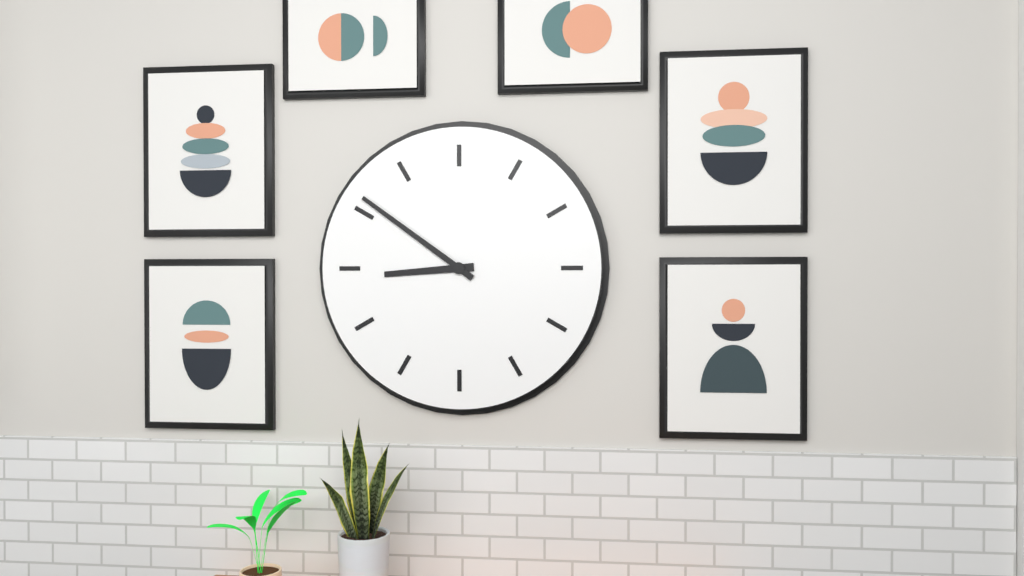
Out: {"hour": 8, "minute": 51}
